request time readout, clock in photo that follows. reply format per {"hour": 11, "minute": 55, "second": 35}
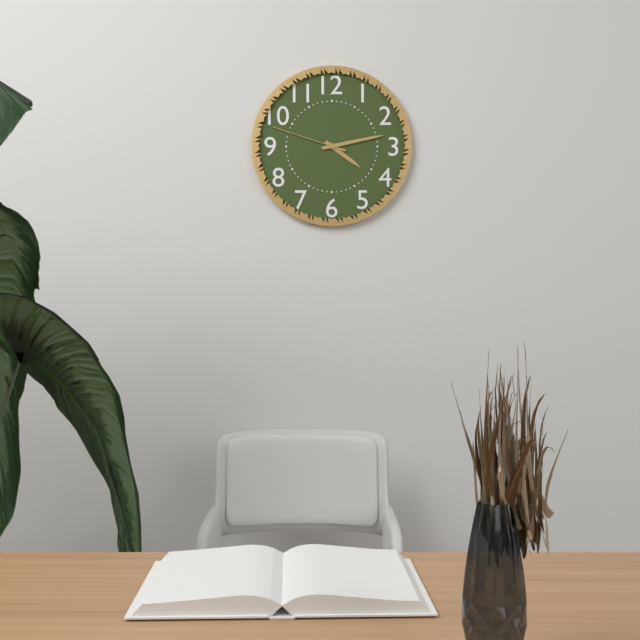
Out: {"hour": 4, "minute": 13, "second": 48}
